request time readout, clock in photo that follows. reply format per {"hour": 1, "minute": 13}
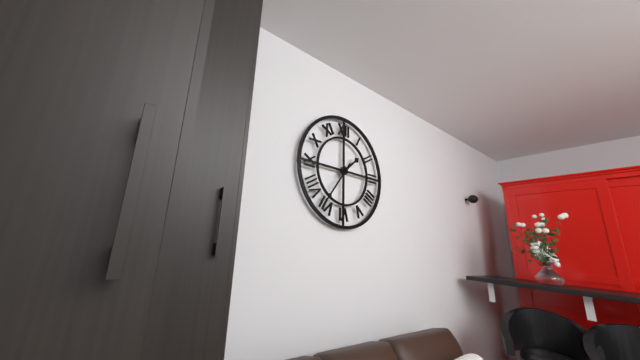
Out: {"hour": 1, "minute": 36}
